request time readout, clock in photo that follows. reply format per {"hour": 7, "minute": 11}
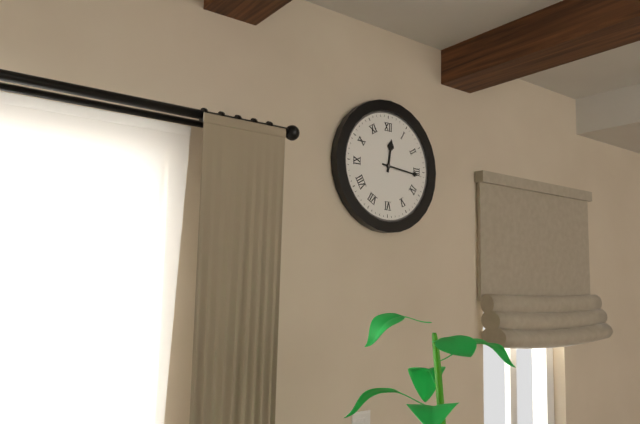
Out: {"hour": 12, "minute": 16}
